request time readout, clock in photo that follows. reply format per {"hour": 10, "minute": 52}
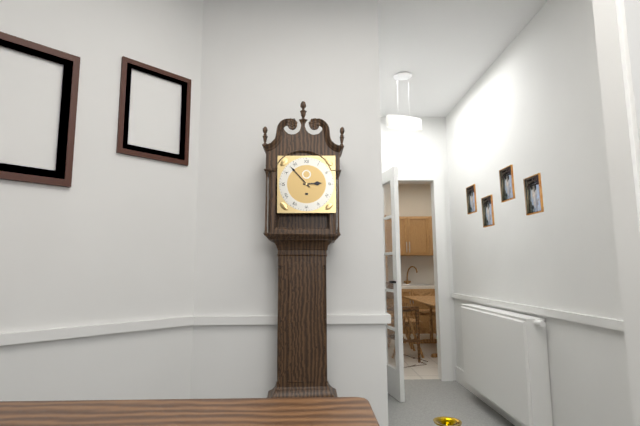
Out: {"hour": 2, "minute": 53}
